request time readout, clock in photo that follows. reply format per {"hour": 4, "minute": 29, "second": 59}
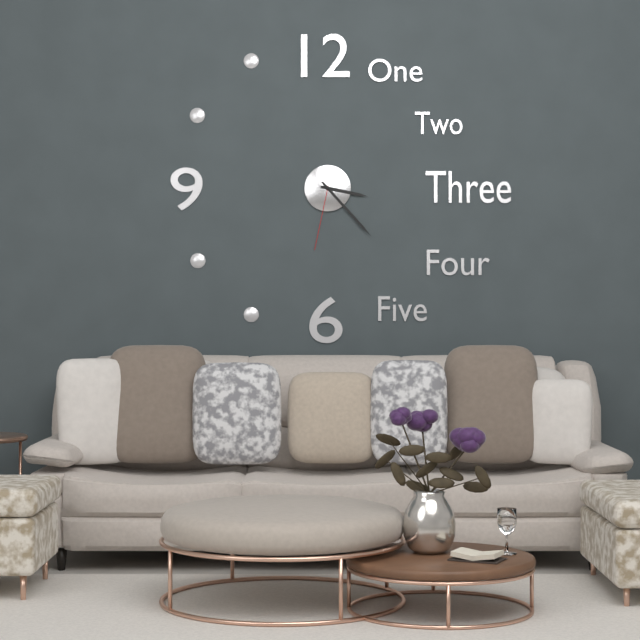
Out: {"hour": 3, "minute": 23, "second": 32}
